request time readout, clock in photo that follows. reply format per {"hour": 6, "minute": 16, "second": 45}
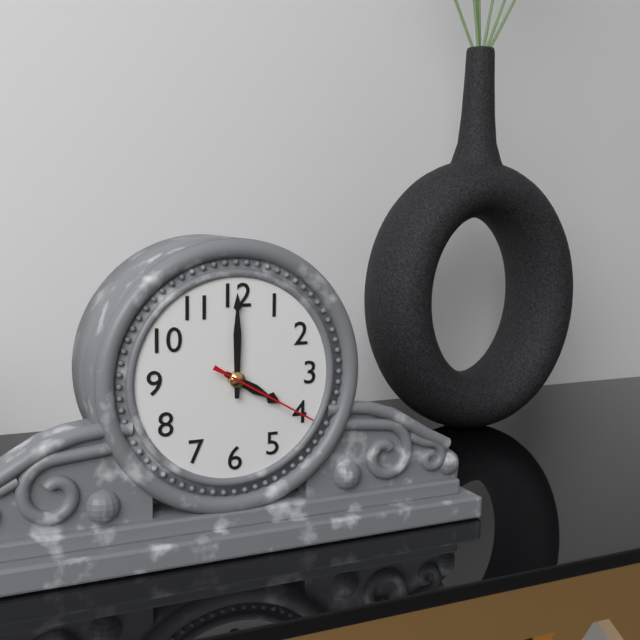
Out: {"hour": 4, "minute": 0, "second": 20}
